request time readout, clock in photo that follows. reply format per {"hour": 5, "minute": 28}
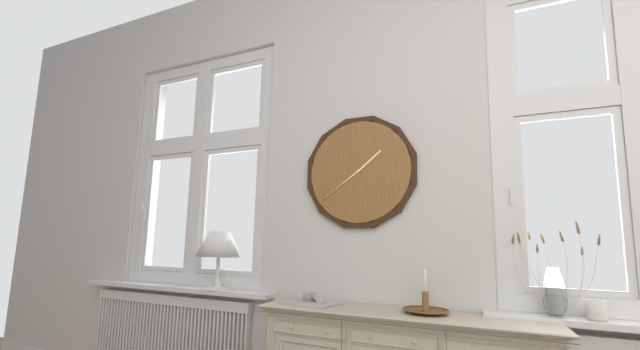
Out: {"hour": 1, "minute": 39}
